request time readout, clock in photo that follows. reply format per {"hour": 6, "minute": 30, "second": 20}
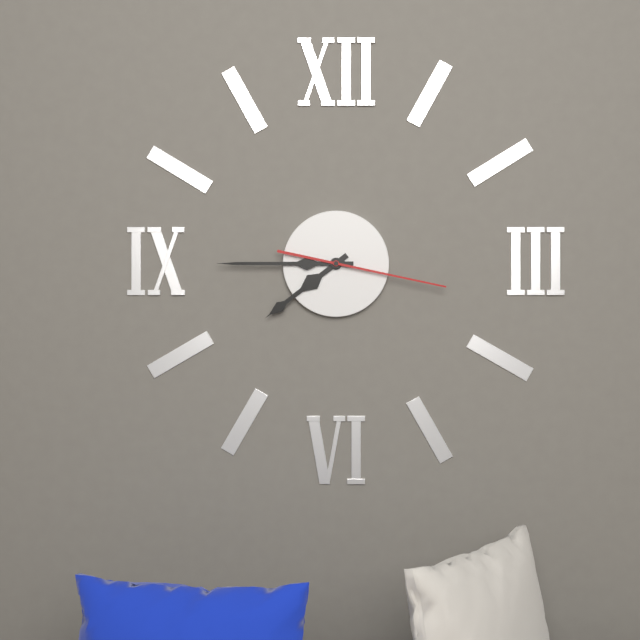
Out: {"hour": 7, "minute": 45, "second": 17}
